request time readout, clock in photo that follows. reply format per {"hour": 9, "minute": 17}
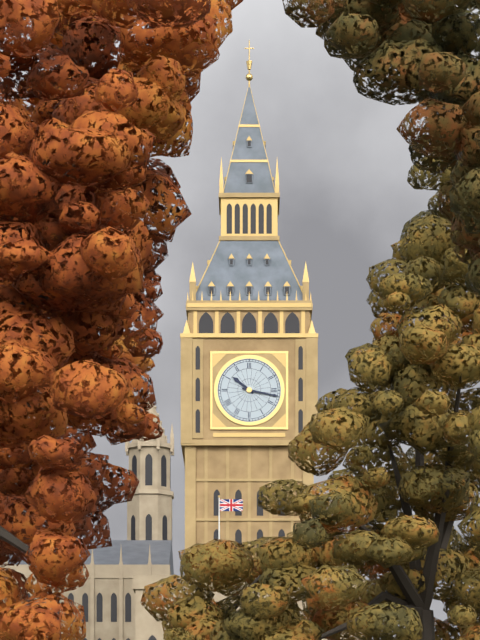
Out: {"hour": 10, "minute": 17}
